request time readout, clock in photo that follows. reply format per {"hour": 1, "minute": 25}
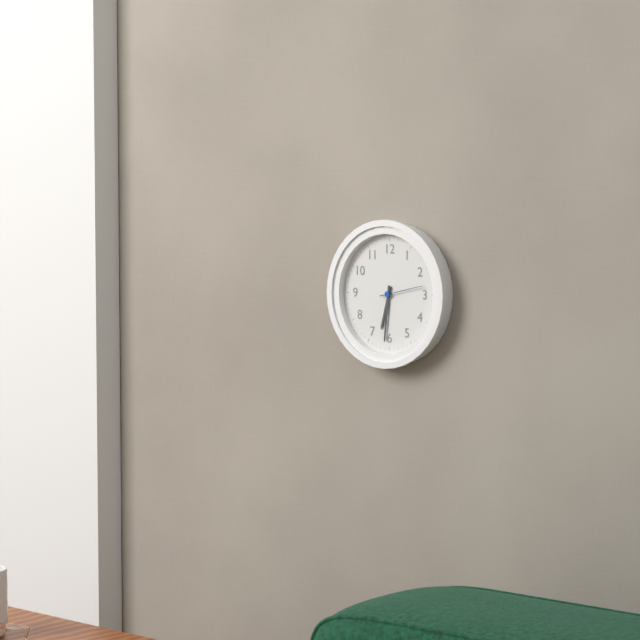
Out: {"hour": 6, "minute": 31}
